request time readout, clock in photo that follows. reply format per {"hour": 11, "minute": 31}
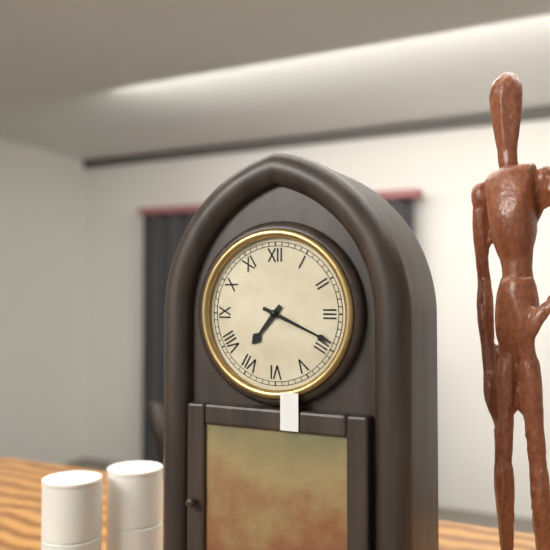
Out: {"hour": 7, "minute": 19}
